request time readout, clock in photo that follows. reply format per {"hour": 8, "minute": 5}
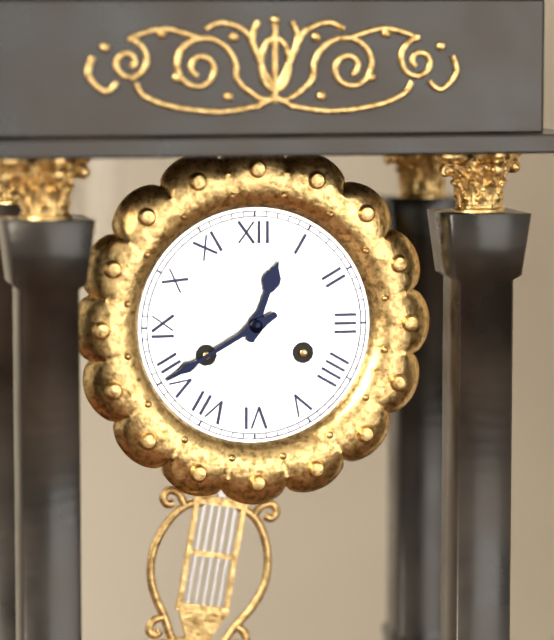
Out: {"hour": 12, "minute": 40}
